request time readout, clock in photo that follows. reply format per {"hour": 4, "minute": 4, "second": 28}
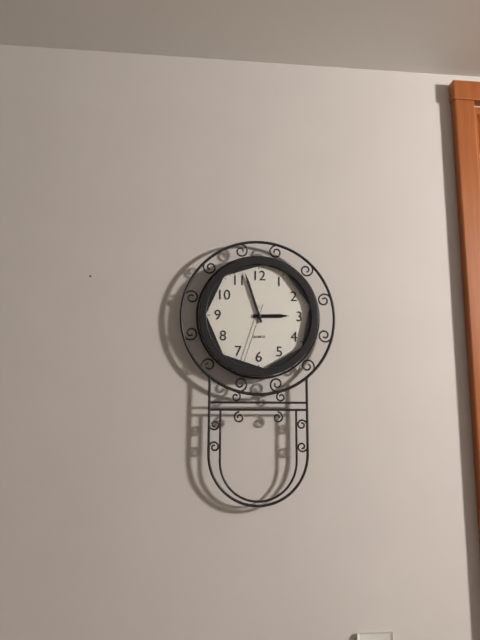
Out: {"hour": 2, "minute": 57, "second": 33}
